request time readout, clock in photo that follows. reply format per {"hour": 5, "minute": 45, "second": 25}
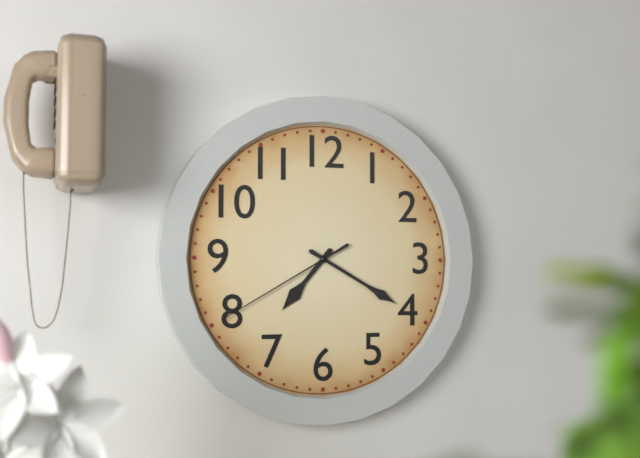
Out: {"hour": 7, "minute": 20, "second": 40}
